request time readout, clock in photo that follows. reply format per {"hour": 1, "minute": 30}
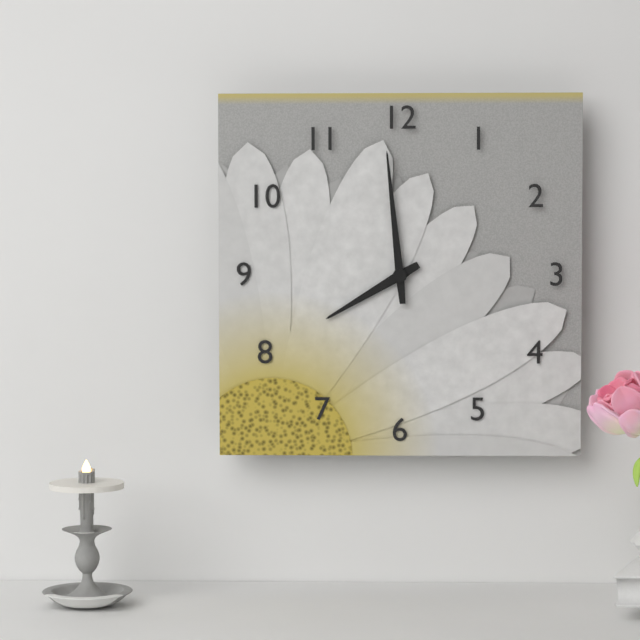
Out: {"hour": 7, "minute": 59}
